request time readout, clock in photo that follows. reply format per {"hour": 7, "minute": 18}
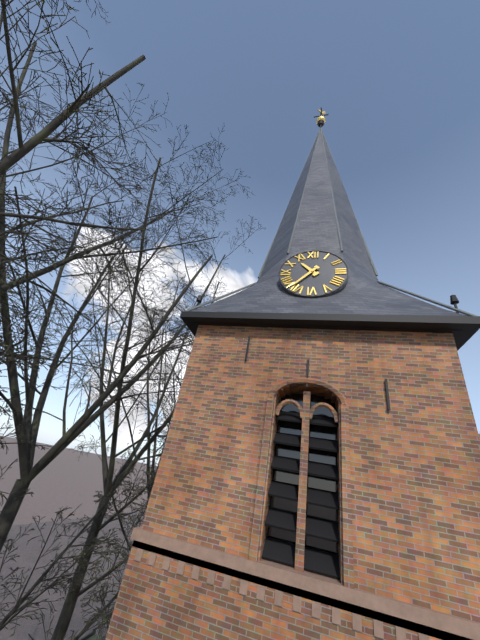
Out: {"hour": 10, "minute": 37}
